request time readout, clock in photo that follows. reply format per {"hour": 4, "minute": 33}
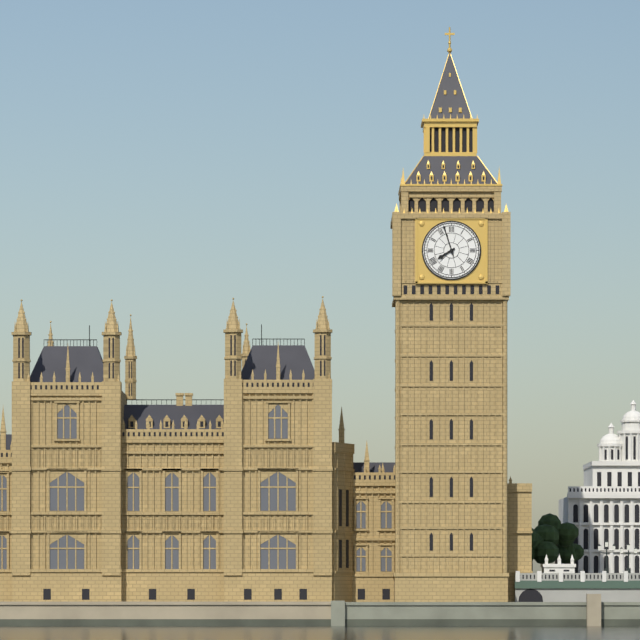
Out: {"hour": 7, "minute": 57}
